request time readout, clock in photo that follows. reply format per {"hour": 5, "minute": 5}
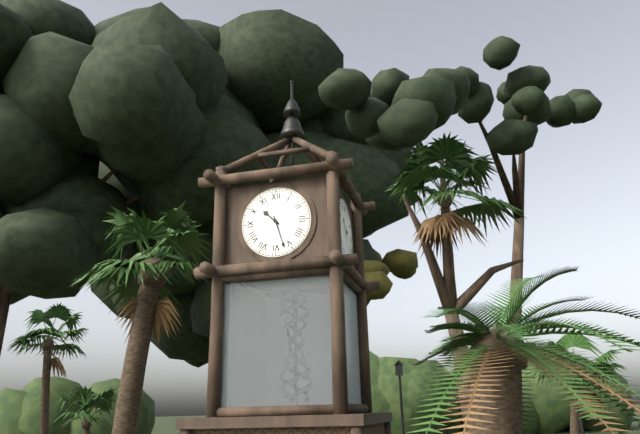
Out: {"hour": 10, "minute": 27}
